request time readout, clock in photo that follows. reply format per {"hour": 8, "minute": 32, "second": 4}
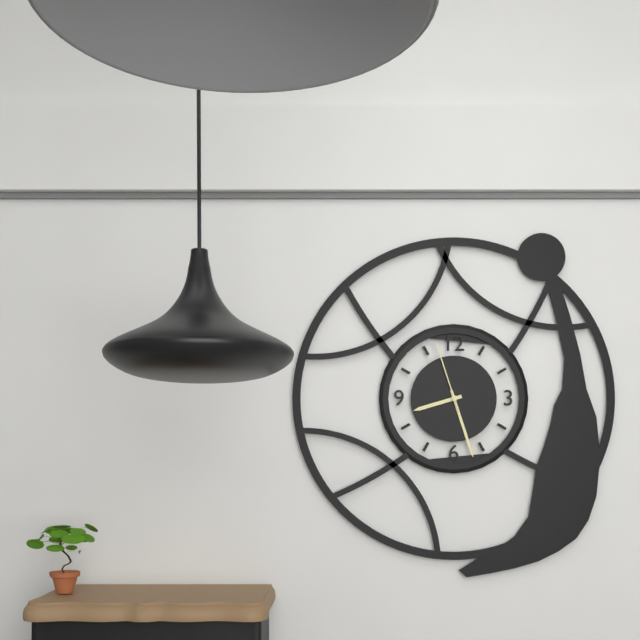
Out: {"hour": 8, "minute": 27, "second": 57}
